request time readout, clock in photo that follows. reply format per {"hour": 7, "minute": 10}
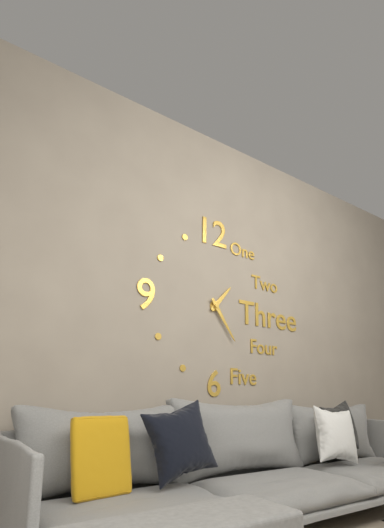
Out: {"hour": 1, "minute": 24}
